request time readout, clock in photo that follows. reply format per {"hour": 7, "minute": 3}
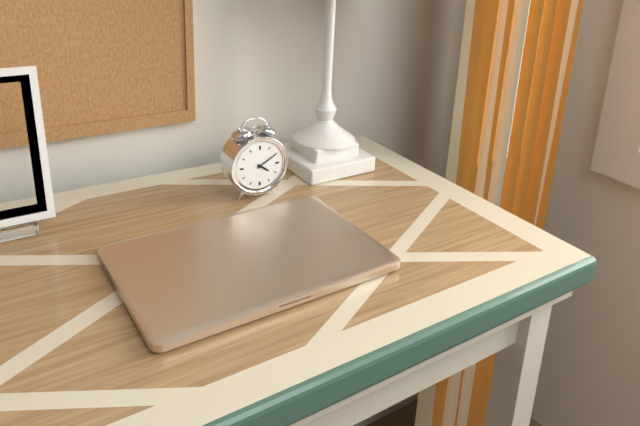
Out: {"hour": 4, "minute": 10}
